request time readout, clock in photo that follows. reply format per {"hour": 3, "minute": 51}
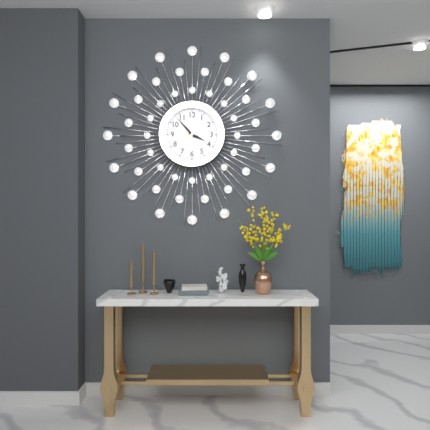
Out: {"hour": 3, "minute": 53}
